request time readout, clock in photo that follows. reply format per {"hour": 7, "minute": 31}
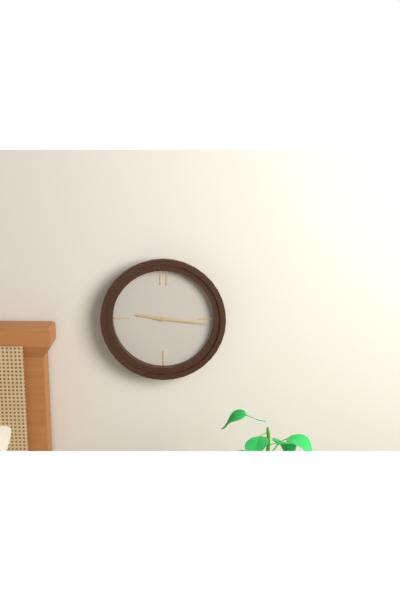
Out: {"hour": 9, "minute": 16}
